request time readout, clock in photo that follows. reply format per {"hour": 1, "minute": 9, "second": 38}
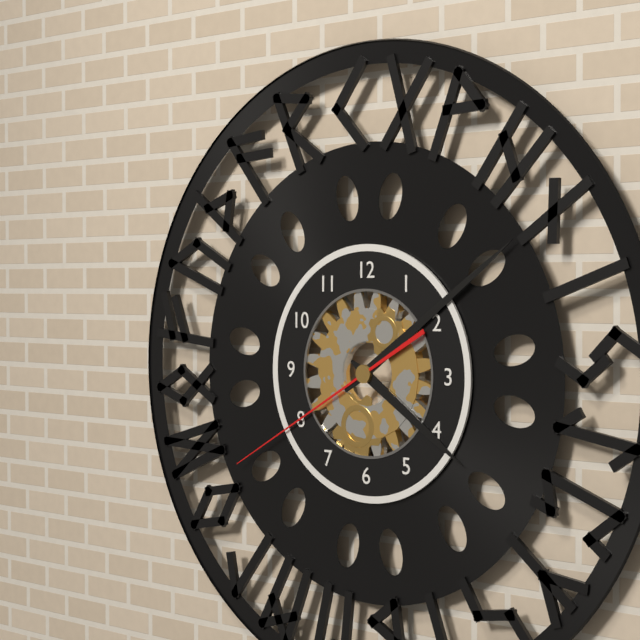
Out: {"hour": 4, "minute": 9, "second": 40}
